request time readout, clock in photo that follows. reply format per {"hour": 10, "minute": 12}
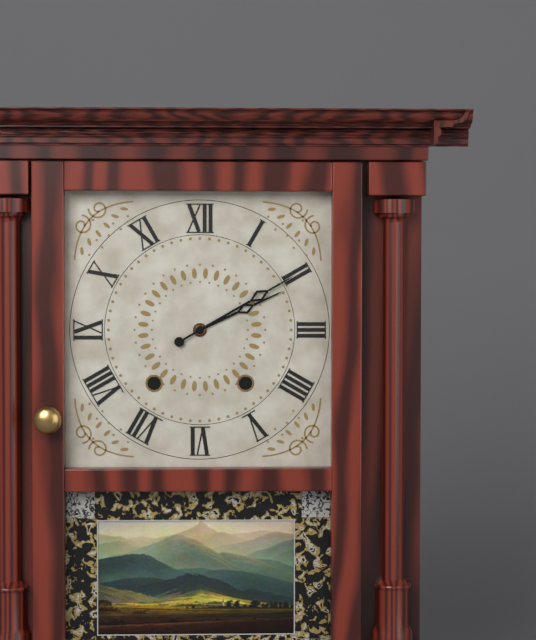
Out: {"hour": 2, "minute": 10}
